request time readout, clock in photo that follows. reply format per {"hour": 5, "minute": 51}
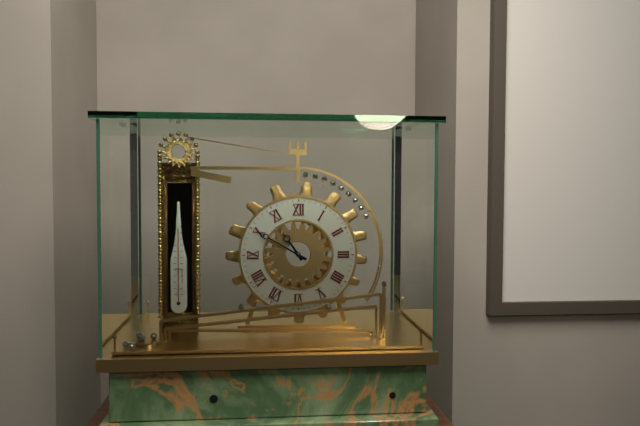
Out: {"hour": 10, "minute": 50}
